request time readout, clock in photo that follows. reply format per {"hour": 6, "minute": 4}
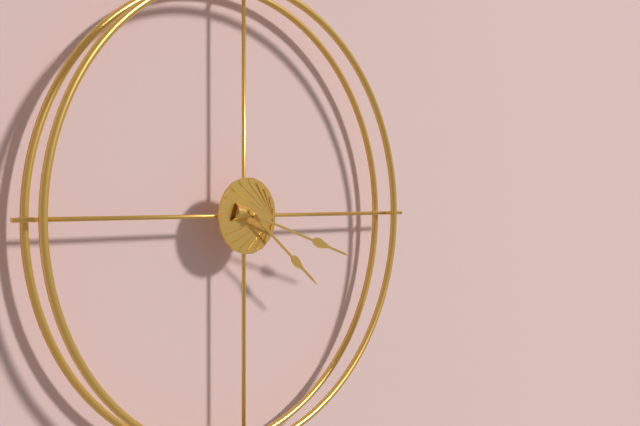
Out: {"hour": 4, "minute": 18}
